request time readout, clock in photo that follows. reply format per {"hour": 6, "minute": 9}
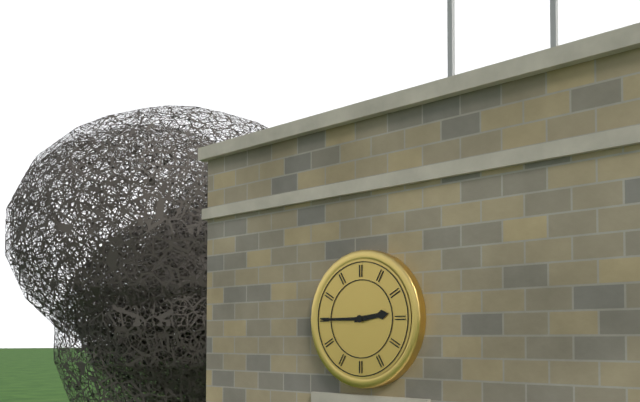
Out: {"hour": 2, "minute": 45}
